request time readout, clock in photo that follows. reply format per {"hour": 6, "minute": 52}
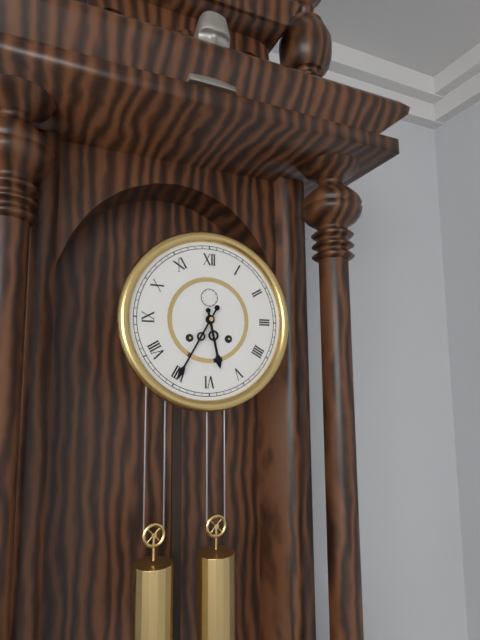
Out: {"hour": 5, "minute": 35}
